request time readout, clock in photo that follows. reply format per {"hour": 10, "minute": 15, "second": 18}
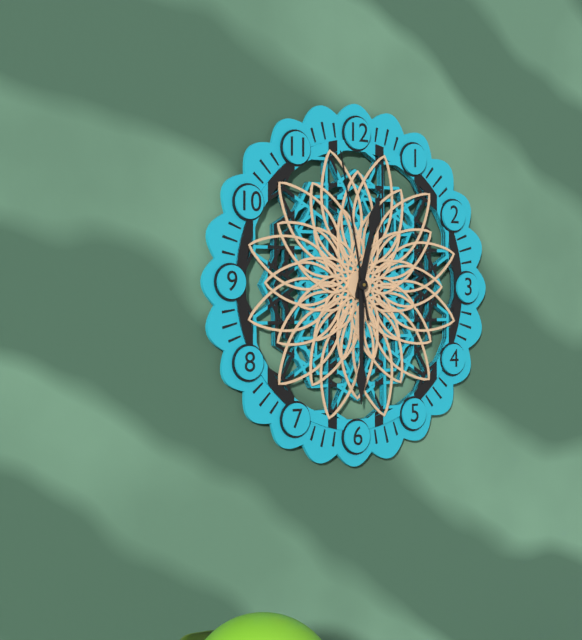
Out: {"hour": 12, "minute": 30, "second": 58}
